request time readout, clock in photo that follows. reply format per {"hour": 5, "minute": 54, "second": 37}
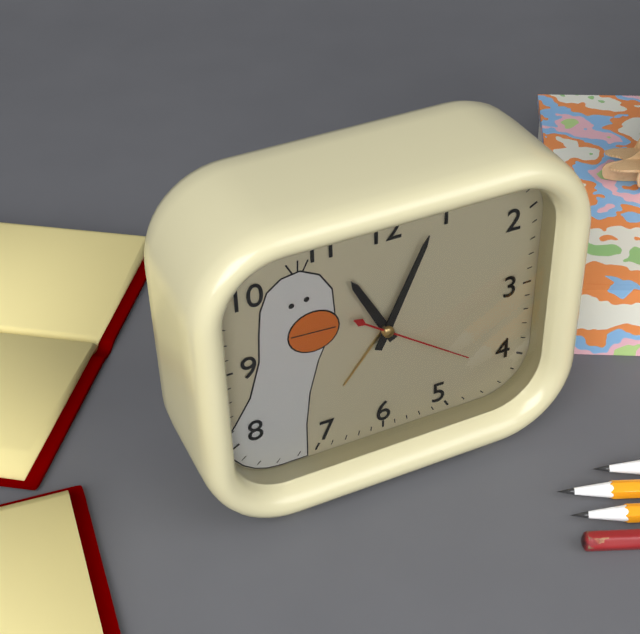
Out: {"hour": 11, "minute": 4, "second": 21}
